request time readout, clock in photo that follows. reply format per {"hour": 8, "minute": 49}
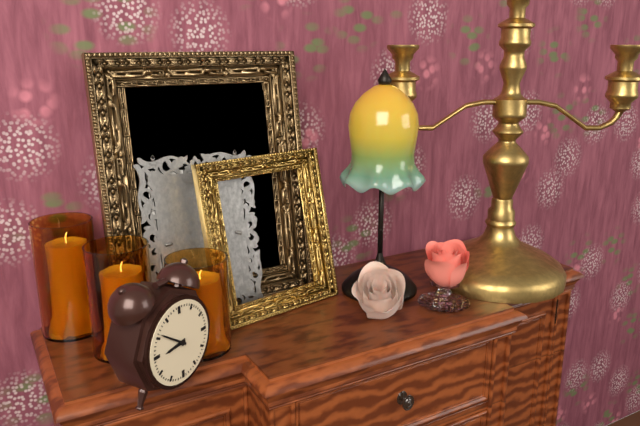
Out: {"hour": 8, "minute": 51}
